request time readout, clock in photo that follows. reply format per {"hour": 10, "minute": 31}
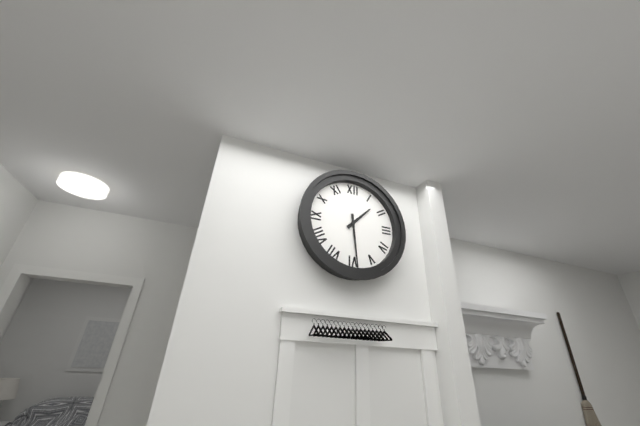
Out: {"hour": 1, "minute": 29}
